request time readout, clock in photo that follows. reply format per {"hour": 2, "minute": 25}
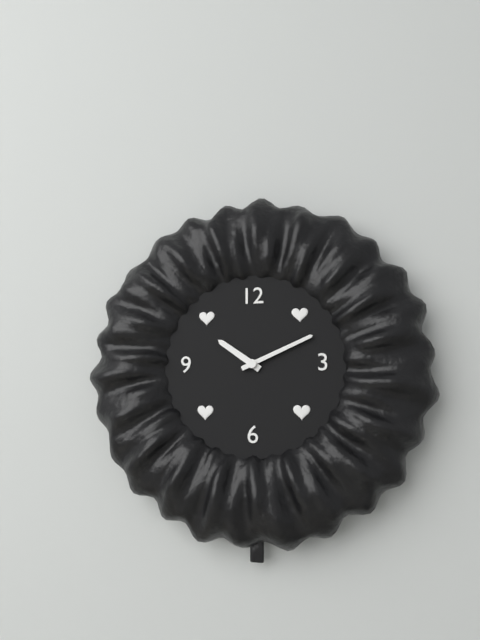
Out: {"hour": 10, "minute": 11}
